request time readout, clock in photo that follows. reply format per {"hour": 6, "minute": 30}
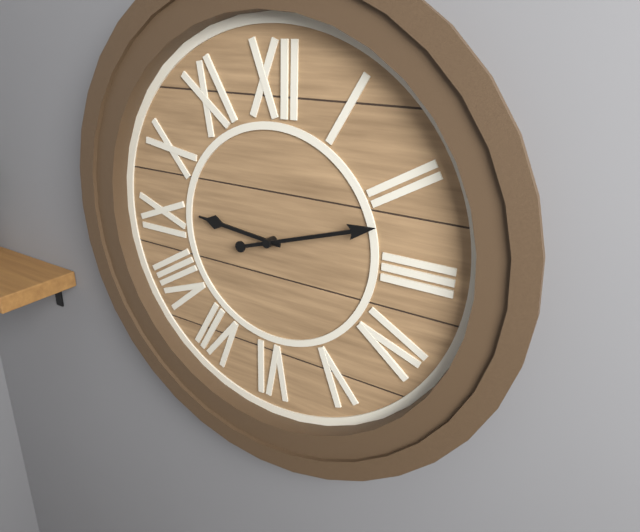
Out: {"hour": 9, "minute": 12}
